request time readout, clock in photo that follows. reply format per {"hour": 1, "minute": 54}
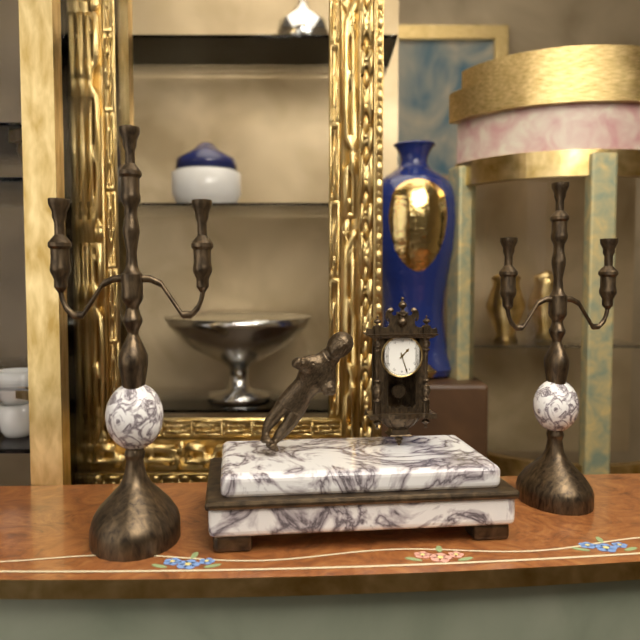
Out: {"hour": 1, "minute": 27}
